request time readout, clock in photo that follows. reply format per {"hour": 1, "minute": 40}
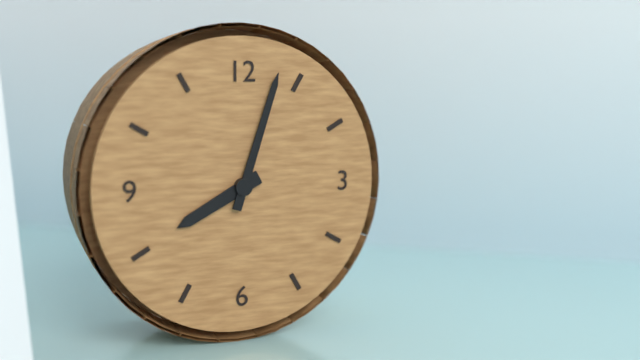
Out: {"hour": 8, "minute": 3}
